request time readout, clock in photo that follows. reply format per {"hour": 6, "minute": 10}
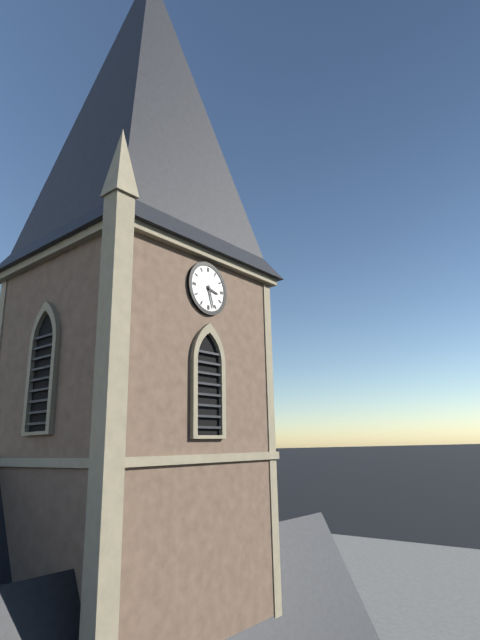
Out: {"hour": 3, "minute": 27}
